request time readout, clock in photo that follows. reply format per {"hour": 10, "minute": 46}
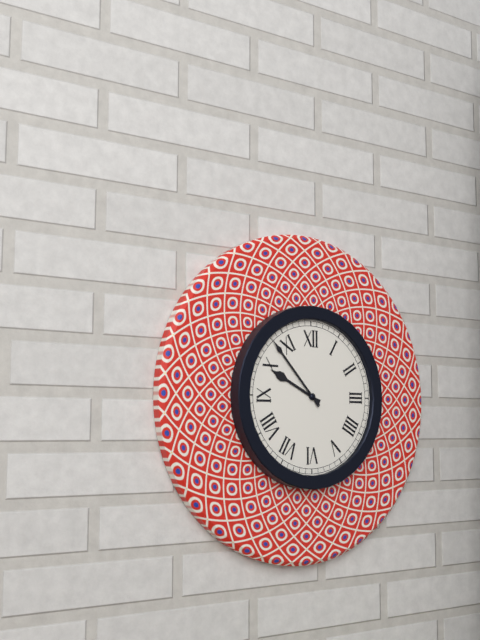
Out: {"hour": 9, "minute": 53}
